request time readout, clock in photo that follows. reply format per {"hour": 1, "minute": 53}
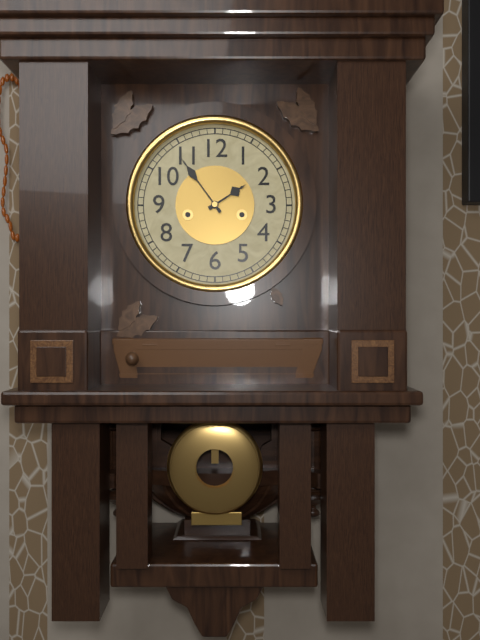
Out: {"hour": 1, "minute": 54}
